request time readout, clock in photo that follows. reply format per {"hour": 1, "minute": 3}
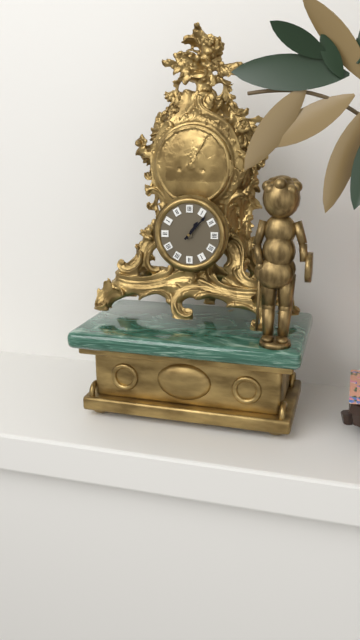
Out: {"hour": 1, "minute": 7}
